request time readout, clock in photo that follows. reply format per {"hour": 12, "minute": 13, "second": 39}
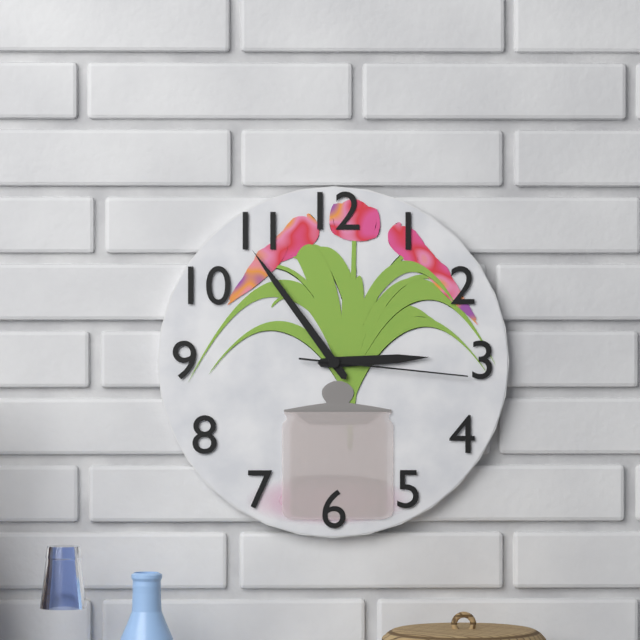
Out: {"hour": 2, "minute": 54, "second": 16}
